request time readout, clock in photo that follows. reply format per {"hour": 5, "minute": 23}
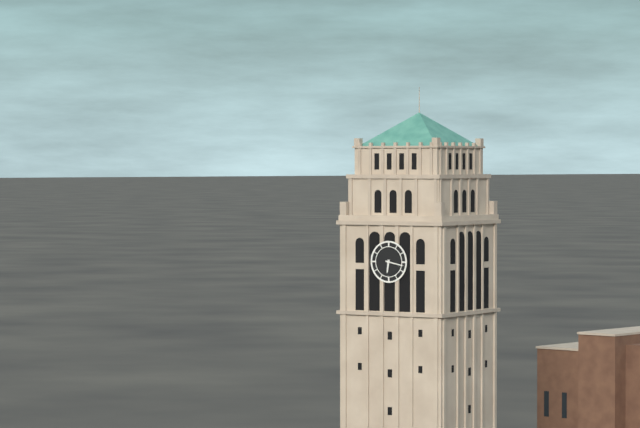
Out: {"hour": 6, "minute": 17}
